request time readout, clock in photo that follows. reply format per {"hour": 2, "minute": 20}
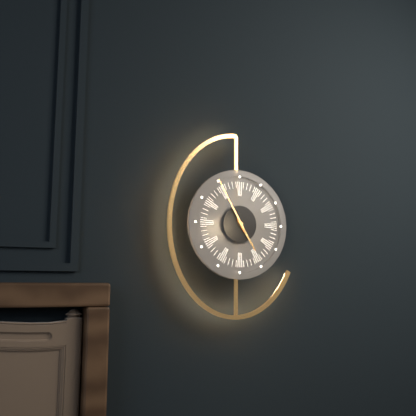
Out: {"hour": 4, "minute": 55}
